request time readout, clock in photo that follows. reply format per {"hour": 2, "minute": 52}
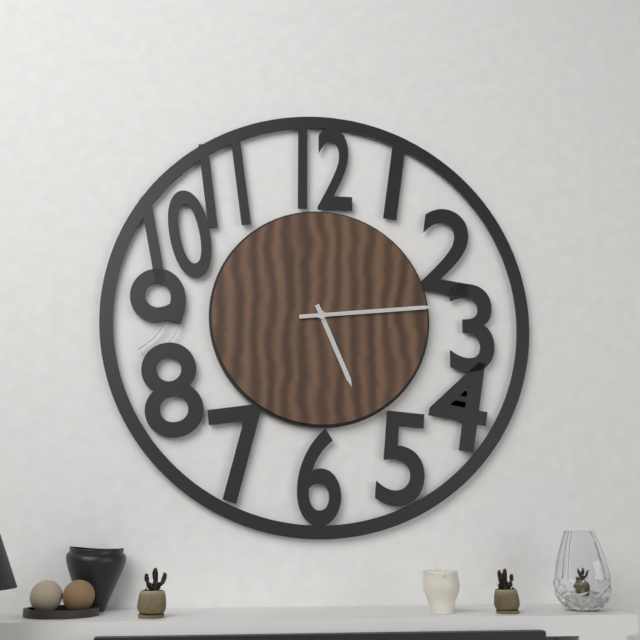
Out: {"hour": 5, "minute": 14}
